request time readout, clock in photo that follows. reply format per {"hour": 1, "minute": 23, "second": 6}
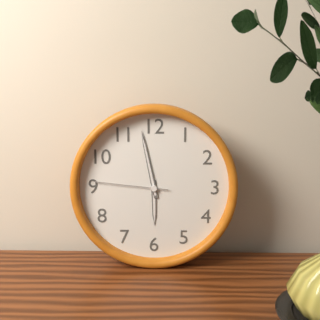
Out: {"hour": 5, "minute": 58, "second": 46}
